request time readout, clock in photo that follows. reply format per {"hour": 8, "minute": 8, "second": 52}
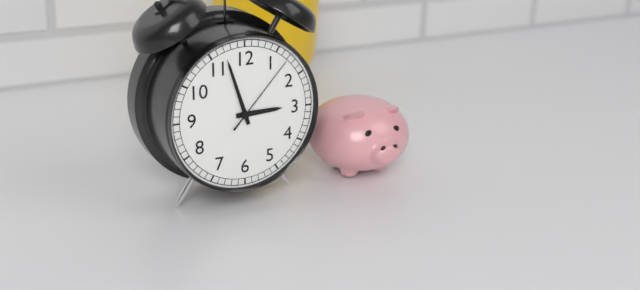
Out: {"hour": 2, "minute": 57, "second": 7}
